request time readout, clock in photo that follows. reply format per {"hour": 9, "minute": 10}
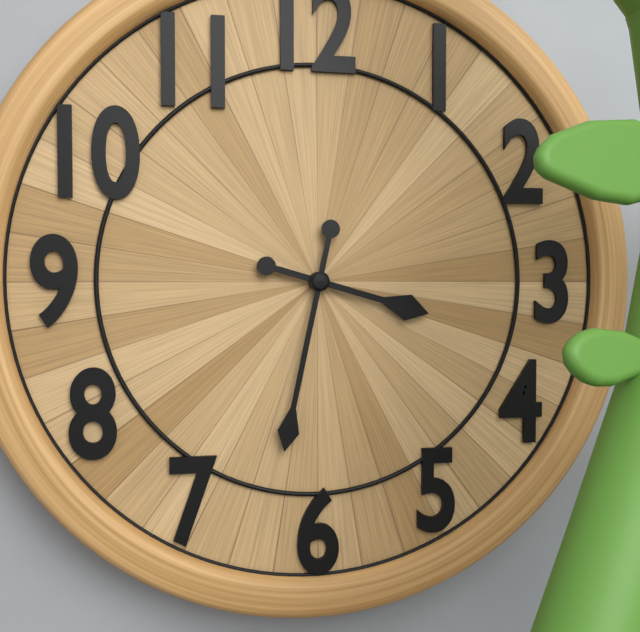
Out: {"hour": 3, "minute": 32}
